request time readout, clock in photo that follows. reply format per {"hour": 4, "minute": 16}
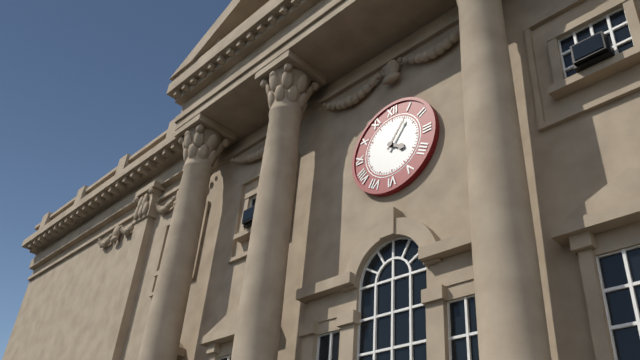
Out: {"hour": 4, "minute": 6}
